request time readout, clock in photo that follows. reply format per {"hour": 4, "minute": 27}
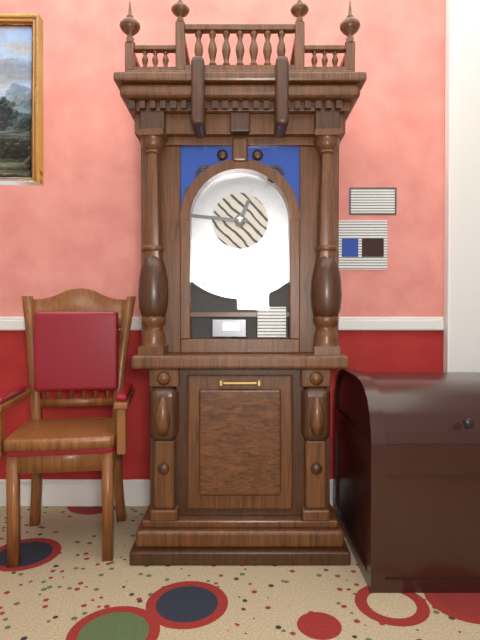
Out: {"hour": 12, "minute": 46}
